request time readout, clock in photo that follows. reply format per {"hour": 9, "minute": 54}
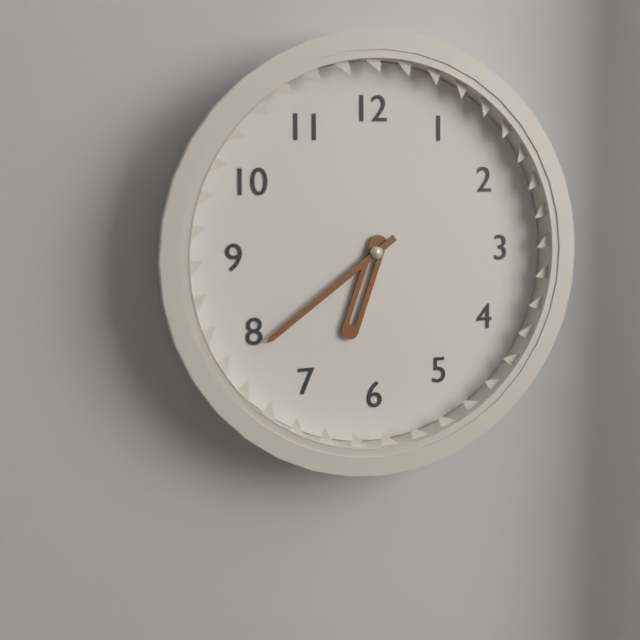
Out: {"hour": 6, "minute": 39}
